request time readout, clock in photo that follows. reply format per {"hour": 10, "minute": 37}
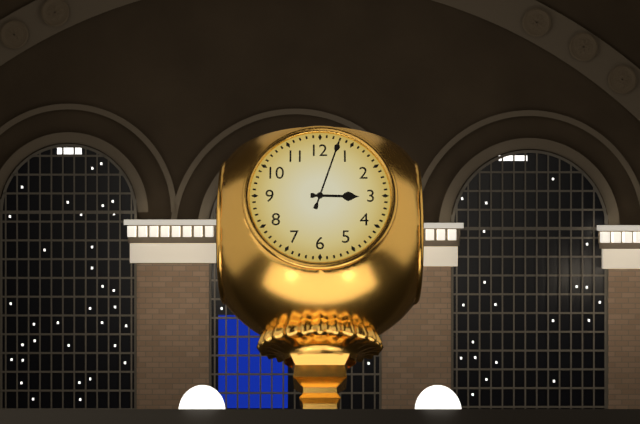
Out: {"hour": 3, "minute": 3}
